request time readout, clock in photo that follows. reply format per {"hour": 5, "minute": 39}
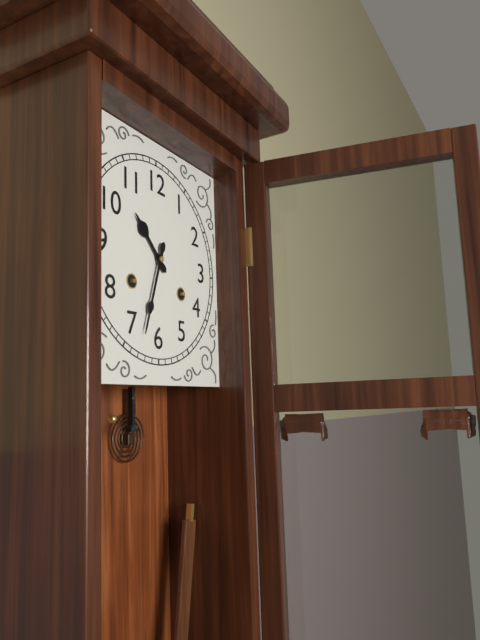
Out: {"hour": 10, "minute": 33}
